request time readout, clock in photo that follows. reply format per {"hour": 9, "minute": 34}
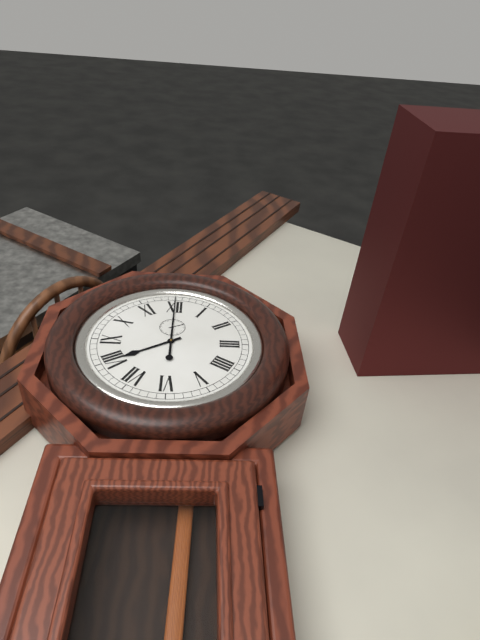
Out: {"hour": 8, "minute": 0}
